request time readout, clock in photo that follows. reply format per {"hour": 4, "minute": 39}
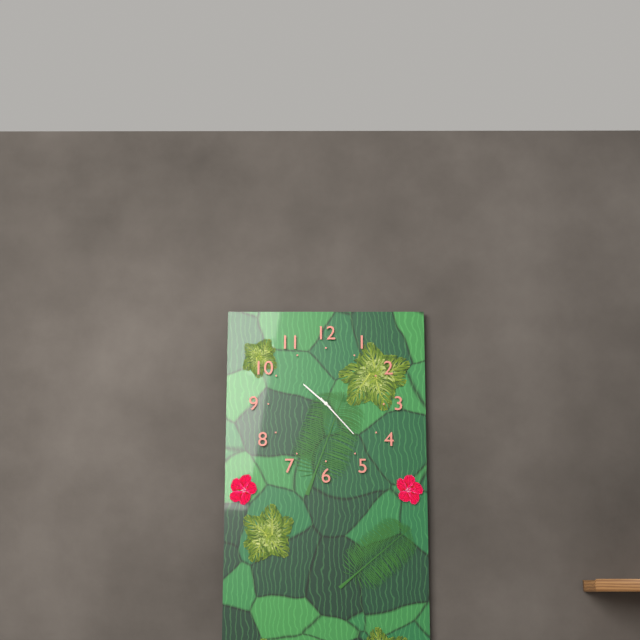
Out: {"hour": 10, "minute": 23}
